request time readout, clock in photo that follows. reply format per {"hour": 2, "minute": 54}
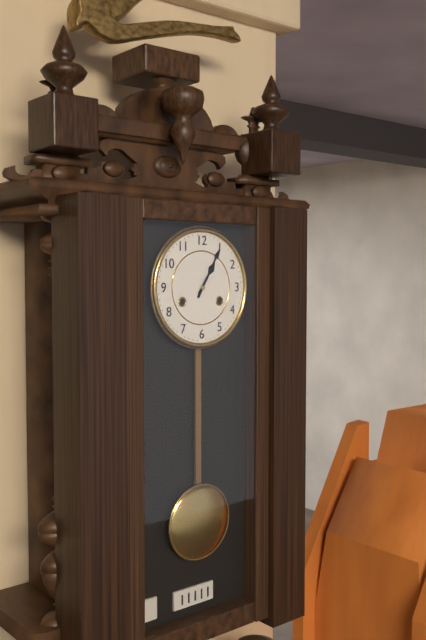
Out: {"hour": 1, "minute": 5}
